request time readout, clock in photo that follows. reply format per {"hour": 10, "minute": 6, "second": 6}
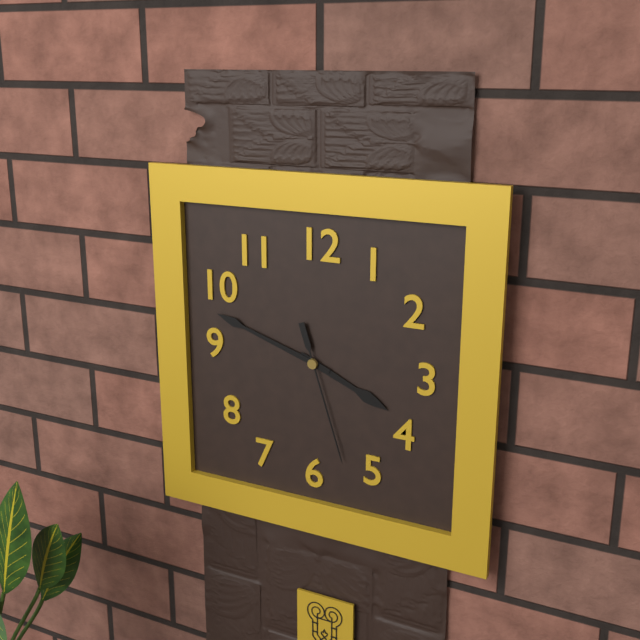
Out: {"hour": 3, "minute": 48, "second": 27}
